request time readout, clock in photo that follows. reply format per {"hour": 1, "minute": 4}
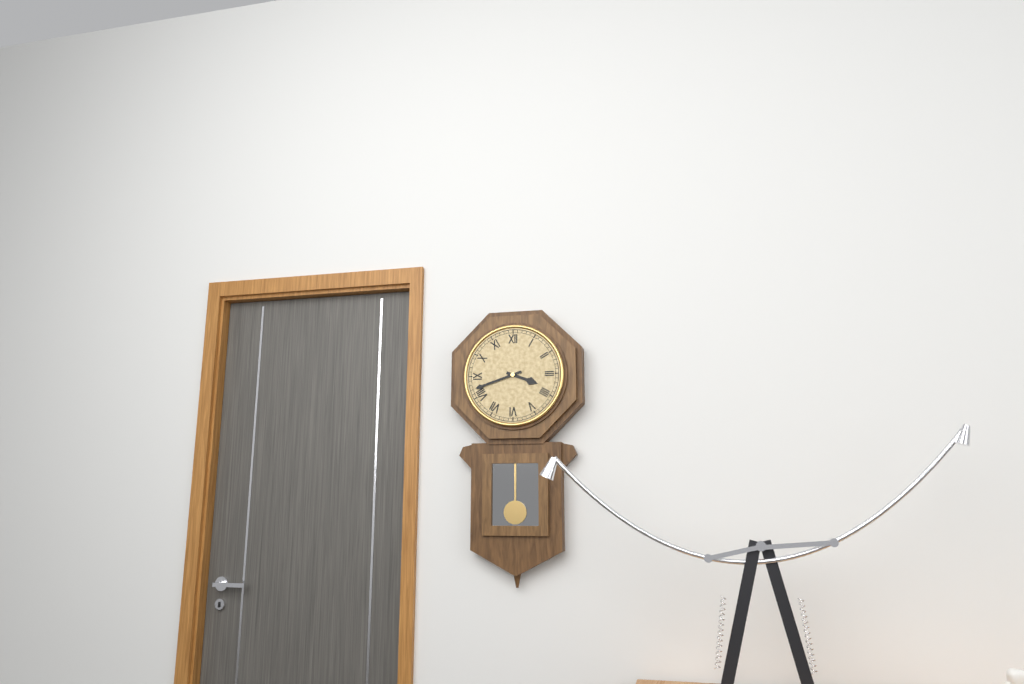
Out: {"hour": 3, "minute": 42}
